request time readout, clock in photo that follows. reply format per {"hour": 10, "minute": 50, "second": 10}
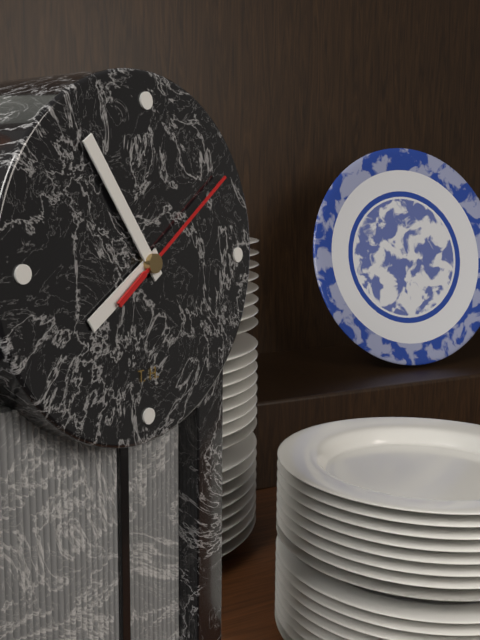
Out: {"hour": 7, "minute": 54, "second": 9}
